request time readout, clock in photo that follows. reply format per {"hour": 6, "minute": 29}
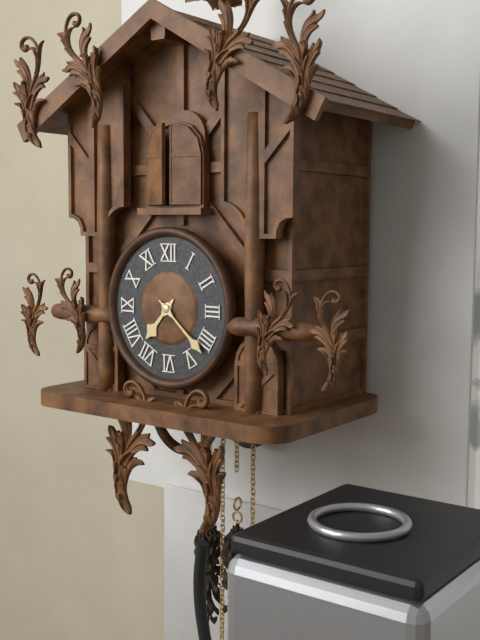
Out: {"hour": 7, "minute": 22}
